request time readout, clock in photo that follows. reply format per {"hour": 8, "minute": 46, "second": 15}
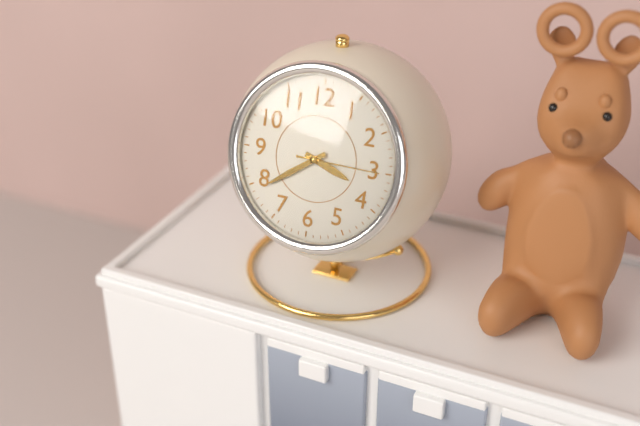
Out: {"hour": 3, "minute": 39, "second": 15}
